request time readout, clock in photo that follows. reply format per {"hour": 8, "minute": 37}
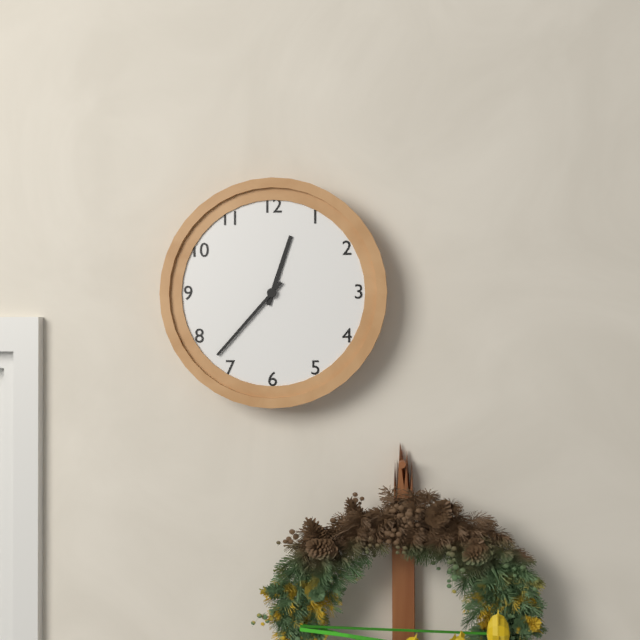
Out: {"hour": 12, "minute": 37}
